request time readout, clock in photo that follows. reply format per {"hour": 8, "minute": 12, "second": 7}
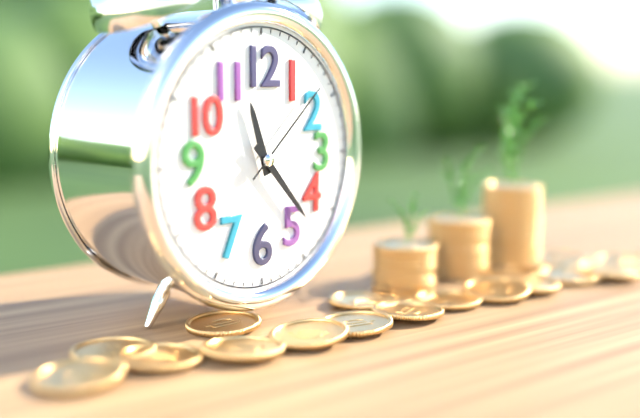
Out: {"hour": 11, "minute": 23, "second": 8}
